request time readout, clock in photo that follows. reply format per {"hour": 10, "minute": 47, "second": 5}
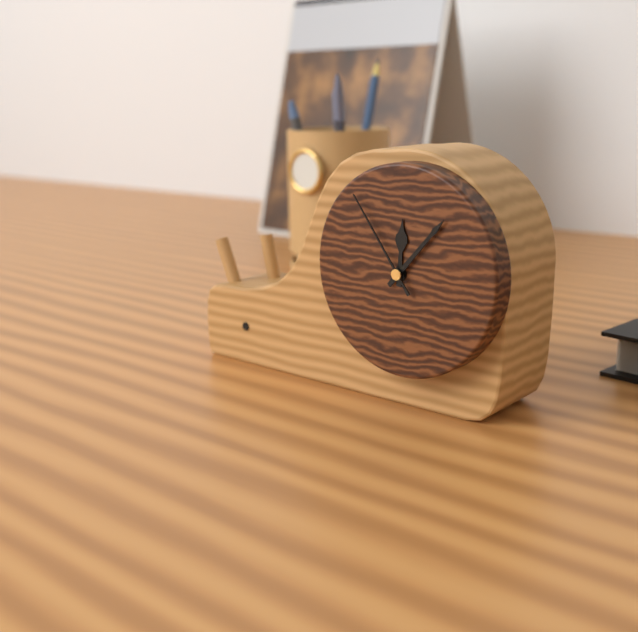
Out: {"hour": 12, "minute": 7, "second": 54}
